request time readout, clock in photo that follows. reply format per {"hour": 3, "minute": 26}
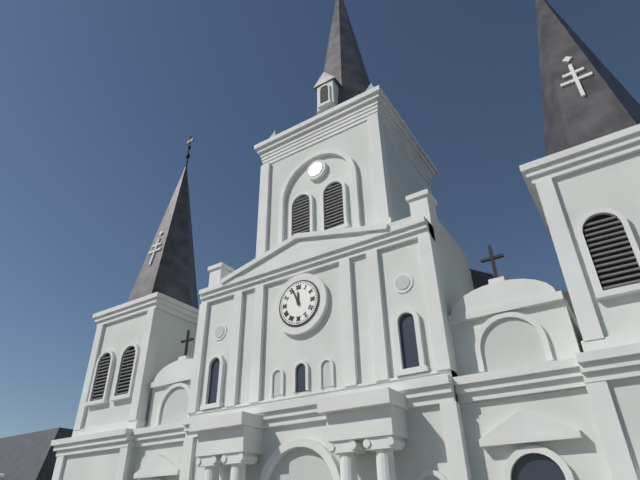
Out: {"hour": 11, "minute": 56}
